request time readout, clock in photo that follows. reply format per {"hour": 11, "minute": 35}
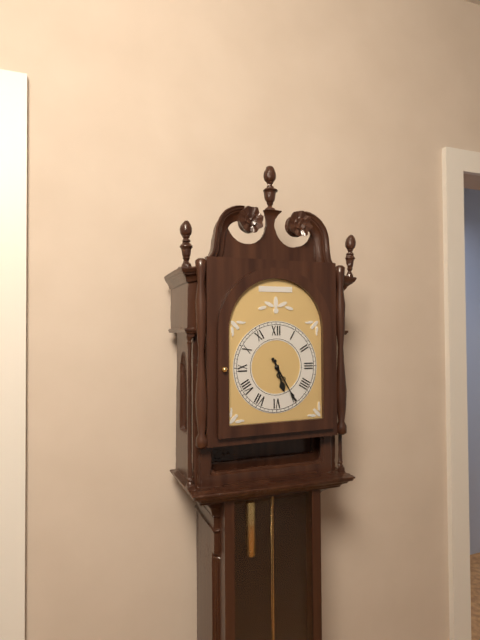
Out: {"hour": 5, "minute": 25}
